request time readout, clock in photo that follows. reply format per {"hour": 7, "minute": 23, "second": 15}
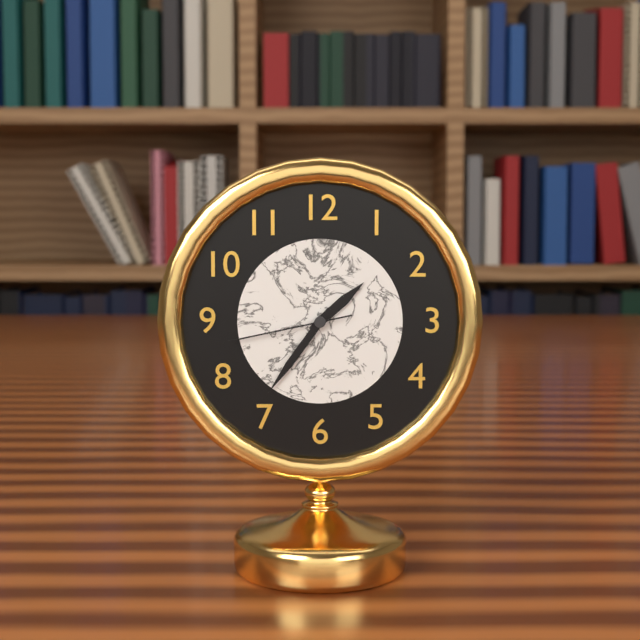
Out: {"hour": 1, "minute": 36, "second": 43}
